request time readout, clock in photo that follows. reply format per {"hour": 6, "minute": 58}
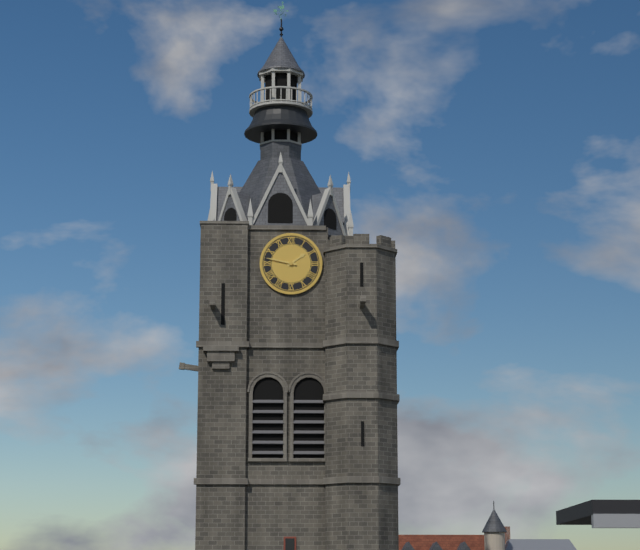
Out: {"hour": 1, "minute": 47}
